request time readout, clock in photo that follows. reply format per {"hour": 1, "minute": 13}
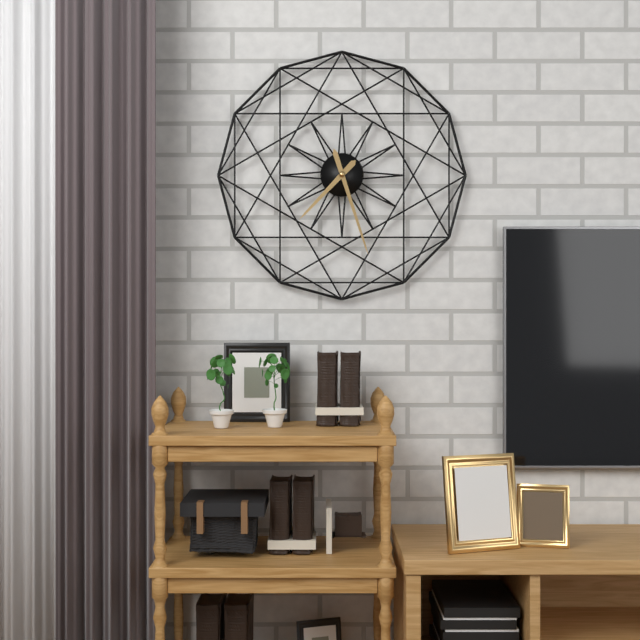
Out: {"hour": 7, "minute": 27}
